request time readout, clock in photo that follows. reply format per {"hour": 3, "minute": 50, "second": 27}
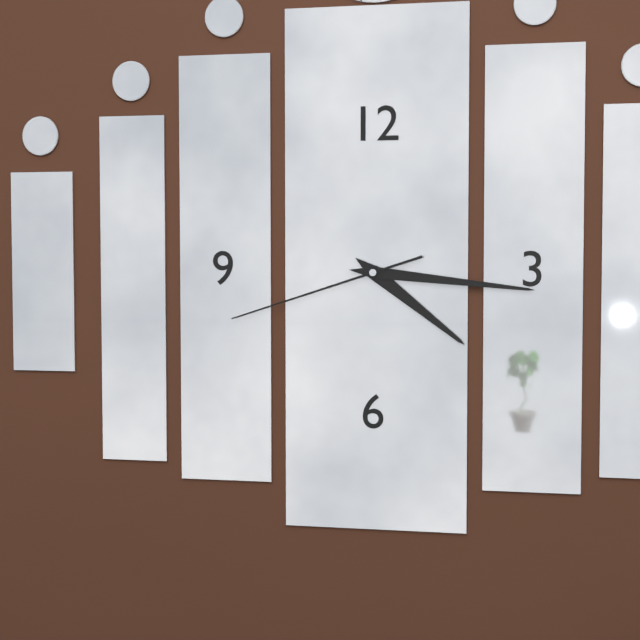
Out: {"hour": 4, "minute": 16, "second": 42}
